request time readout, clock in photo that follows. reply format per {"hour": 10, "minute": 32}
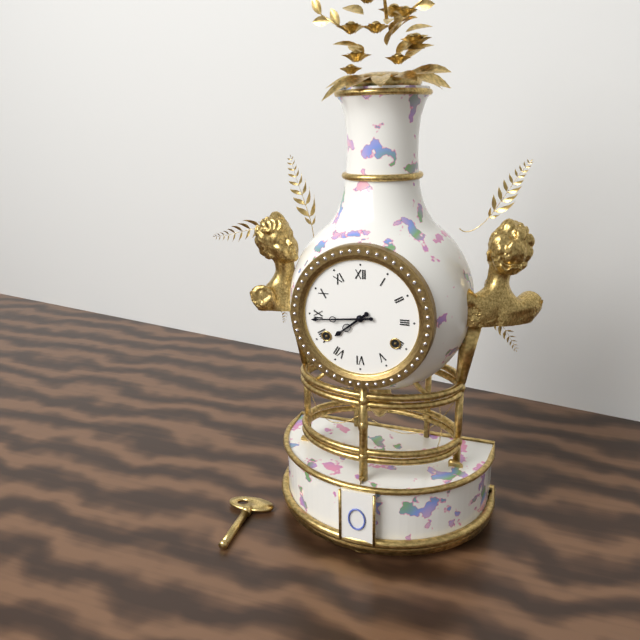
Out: {"hour": 7, "minute": 44}
